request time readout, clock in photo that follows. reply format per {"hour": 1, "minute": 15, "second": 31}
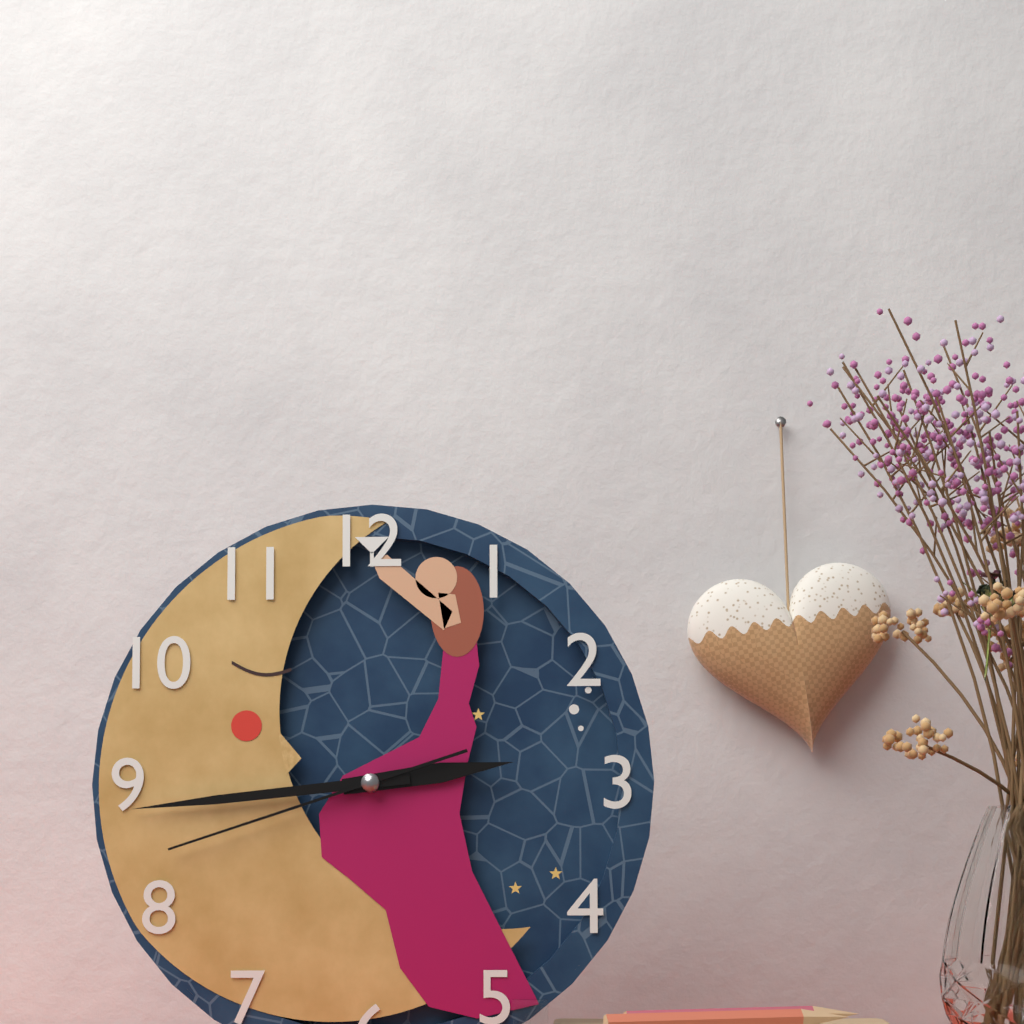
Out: {"hour": 2, "minute": 44, "second": 42}
